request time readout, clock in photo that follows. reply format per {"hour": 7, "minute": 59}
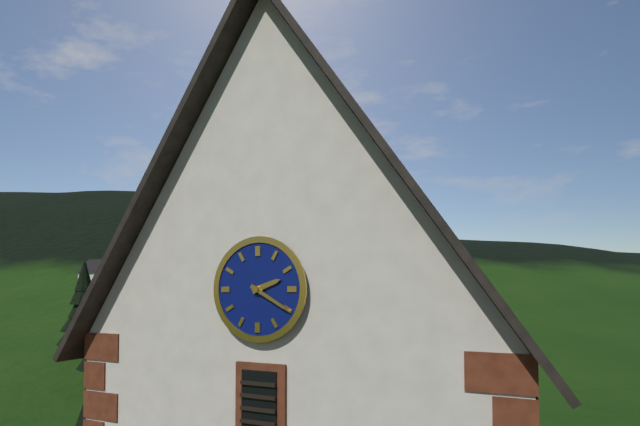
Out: {"hour": 2, "minute": 20}
